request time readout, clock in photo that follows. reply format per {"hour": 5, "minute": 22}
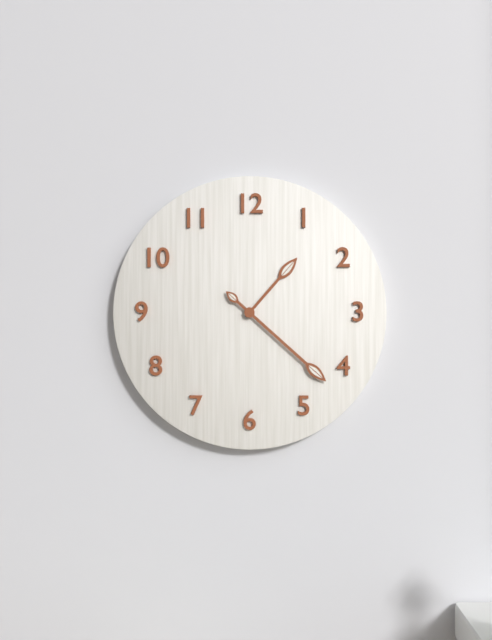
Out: {"hour": 1, "minute": 22}
